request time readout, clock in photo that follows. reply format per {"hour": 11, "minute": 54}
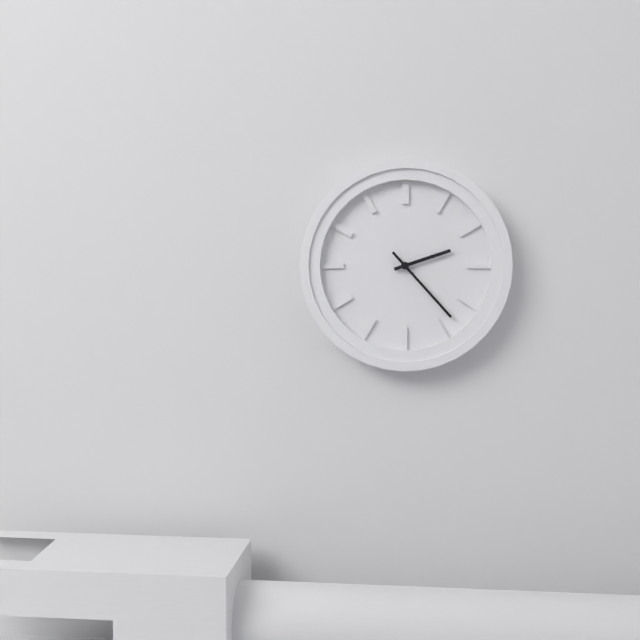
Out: {"hour": 2, "minute": 23}
